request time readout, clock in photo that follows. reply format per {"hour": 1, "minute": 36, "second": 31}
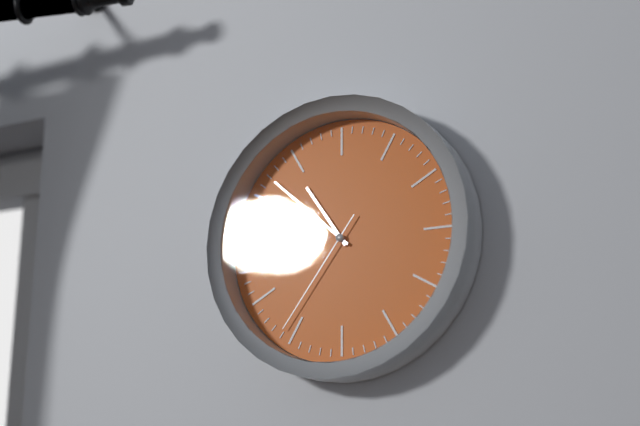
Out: {"hour": 10, "minute": 52, "second": 36}
